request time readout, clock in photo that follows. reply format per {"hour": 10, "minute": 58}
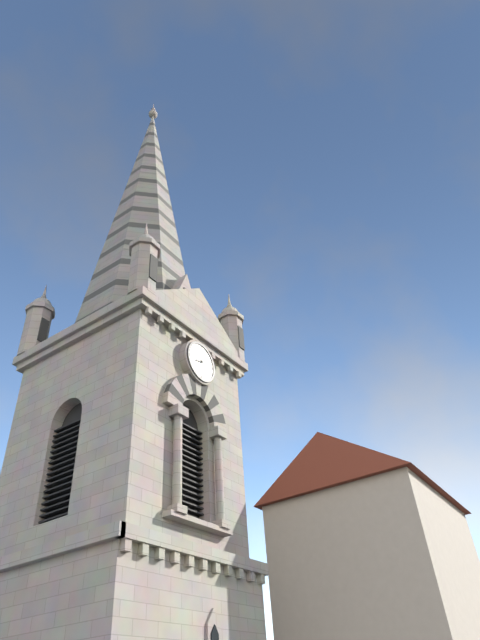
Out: {"hour": 8, "minute": 29}
